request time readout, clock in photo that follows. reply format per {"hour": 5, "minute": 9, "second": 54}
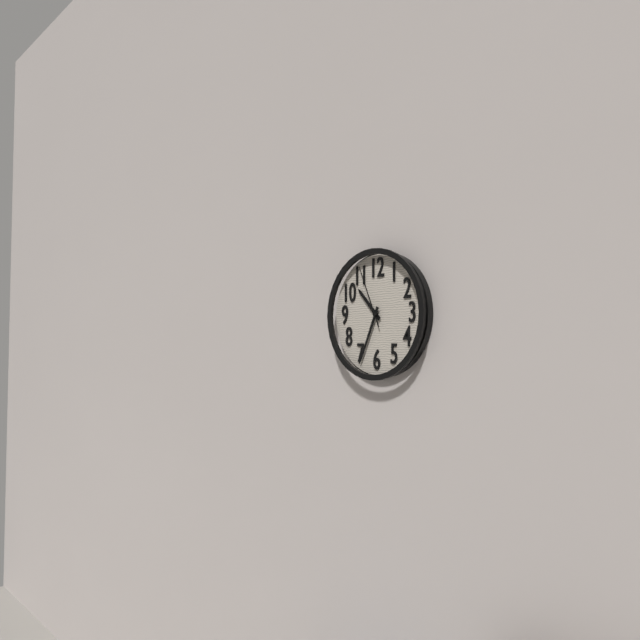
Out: {"hour": 10, "minute": 34, "second": 56}
